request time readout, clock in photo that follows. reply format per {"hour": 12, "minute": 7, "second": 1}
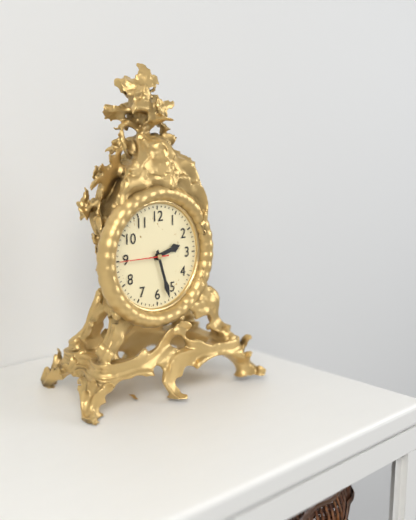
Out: {"hour": 2, "minute": 27, "second": 45}
